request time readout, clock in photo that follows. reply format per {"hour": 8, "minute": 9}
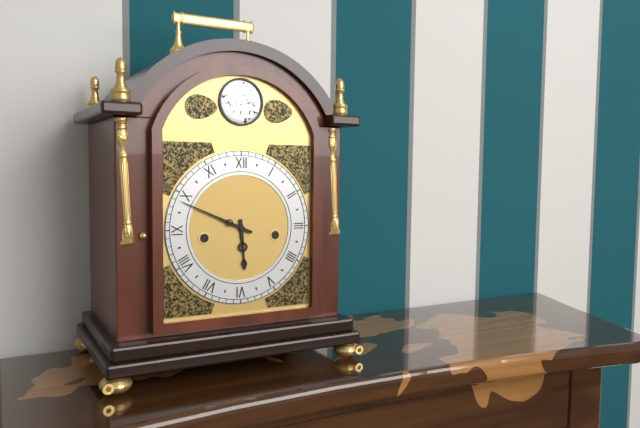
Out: {"hour": 5, "minute": 49}
